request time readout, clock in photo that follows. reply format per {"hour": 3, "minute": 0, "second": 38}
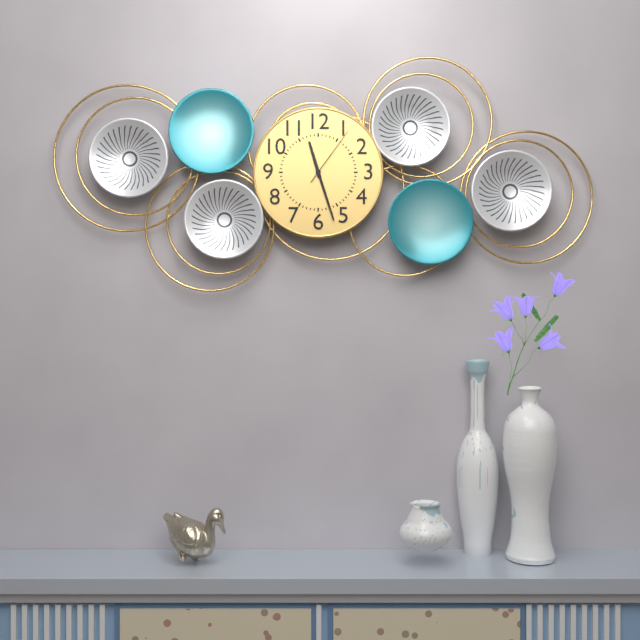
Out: {"hour": 11, "minute": 27, "second": 6}
